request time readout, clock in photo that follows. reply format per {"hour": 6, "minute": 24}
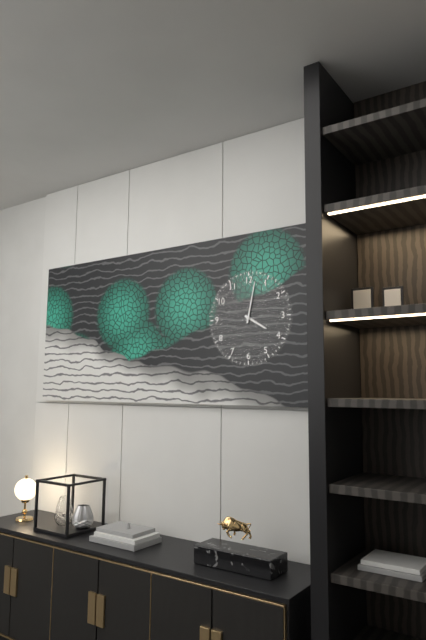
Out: {"hour": 4, "minute": 2}
